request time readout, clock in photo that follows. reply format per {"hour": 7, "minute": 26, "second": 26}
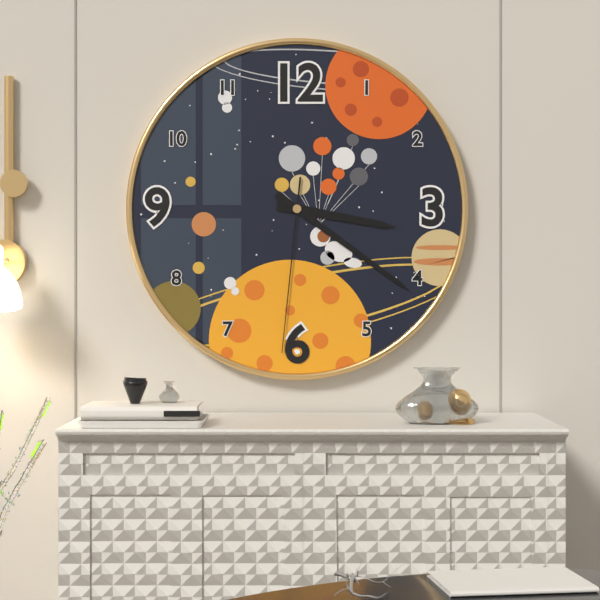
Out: {"hour": 3, "minute": 21, "second": 31}
